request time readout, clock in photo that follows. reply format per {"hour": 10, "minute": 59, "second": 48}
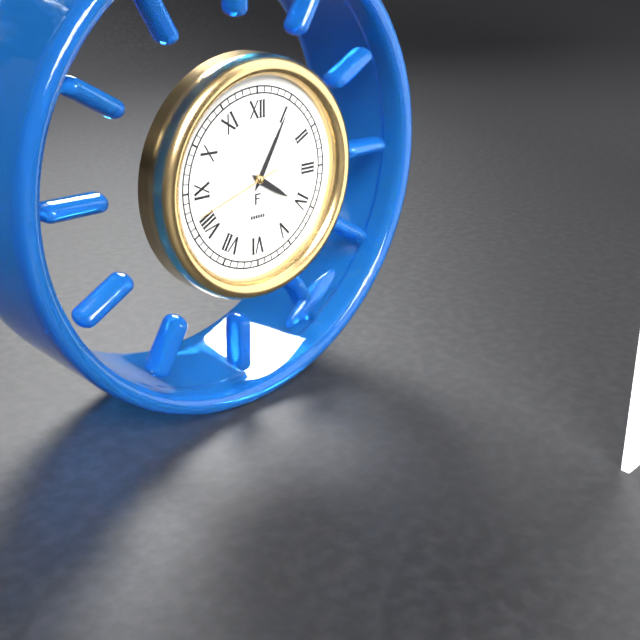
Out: {"hour": 4, "minute": 5, "second": 42}
